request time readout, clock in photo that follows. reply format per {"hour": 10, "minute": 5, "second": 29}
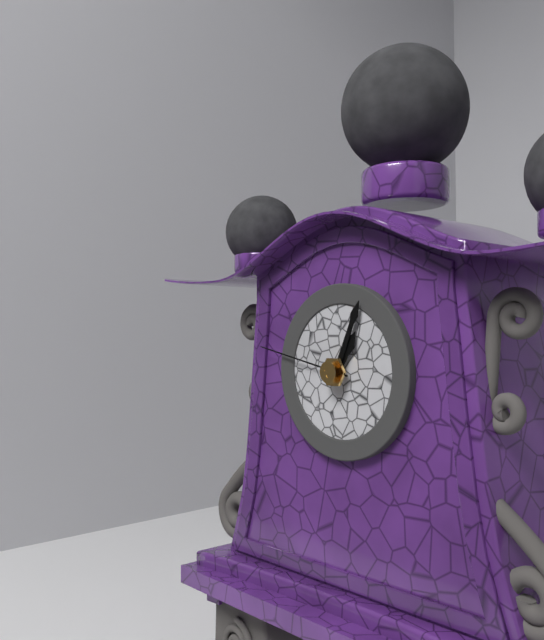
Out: {"hour": 1, "minute": 4, "second": 47}
